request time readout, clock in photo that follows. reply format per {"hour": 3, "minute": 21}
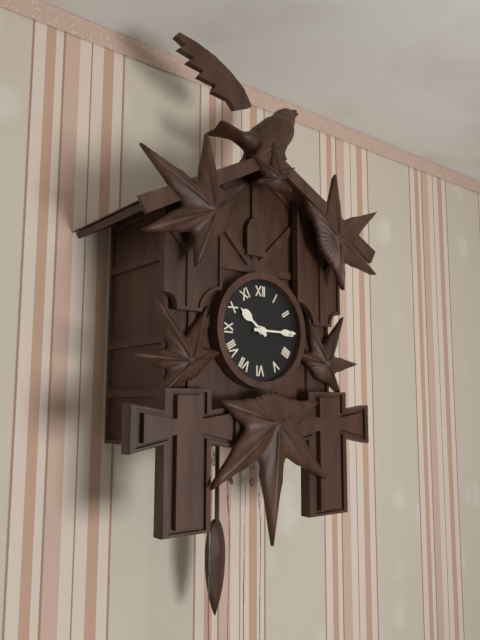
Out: {"hour": 10, "minute": 15}
